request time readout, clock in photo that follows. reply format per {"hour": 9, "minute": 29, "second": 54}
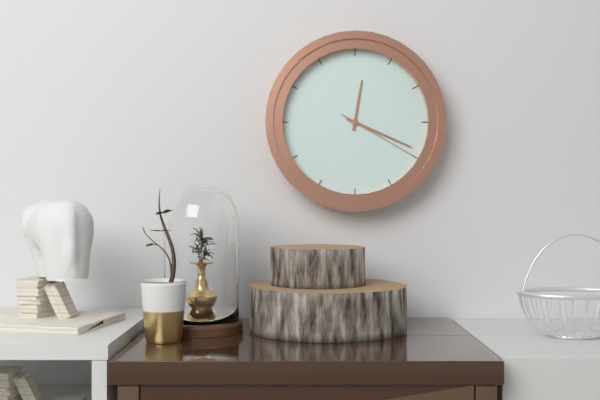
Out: {"hour": 12, "minute": 19, "second": 20}
